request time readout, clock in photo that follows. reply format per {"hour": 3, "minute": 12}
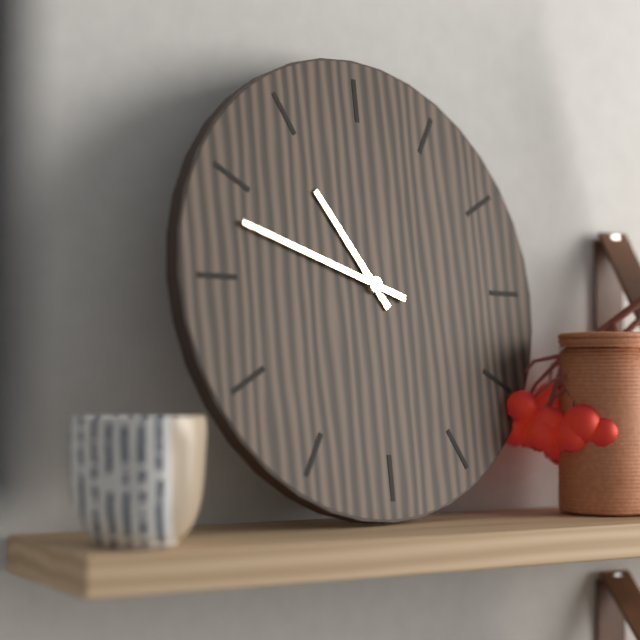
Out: {"hour": 10, "minute": 48}
